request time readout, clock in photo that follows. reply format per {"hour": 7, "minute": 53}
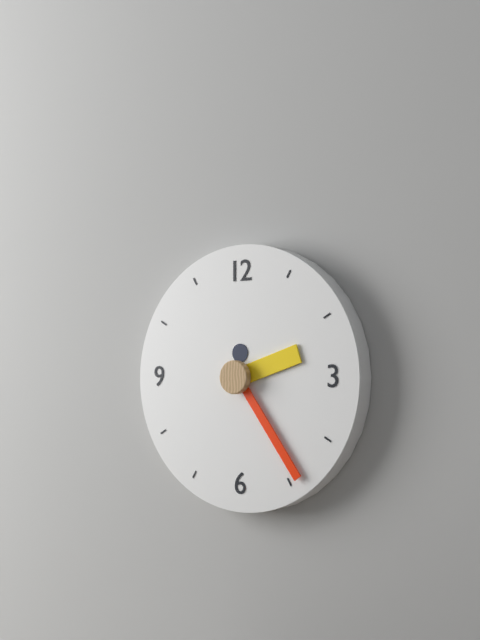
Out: {"hour": 2, "minute": 24}
